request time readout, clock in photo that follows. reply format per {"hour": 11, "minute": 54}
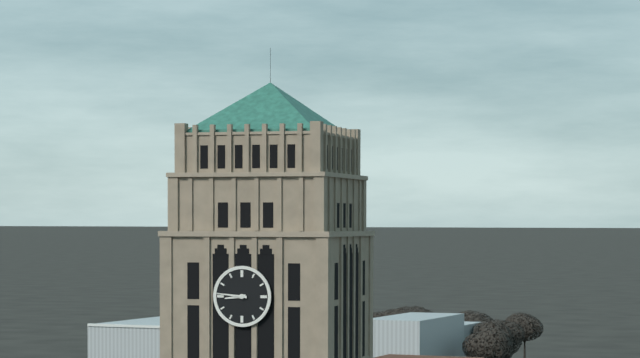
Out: {"hour": 8, "minute": 46}
